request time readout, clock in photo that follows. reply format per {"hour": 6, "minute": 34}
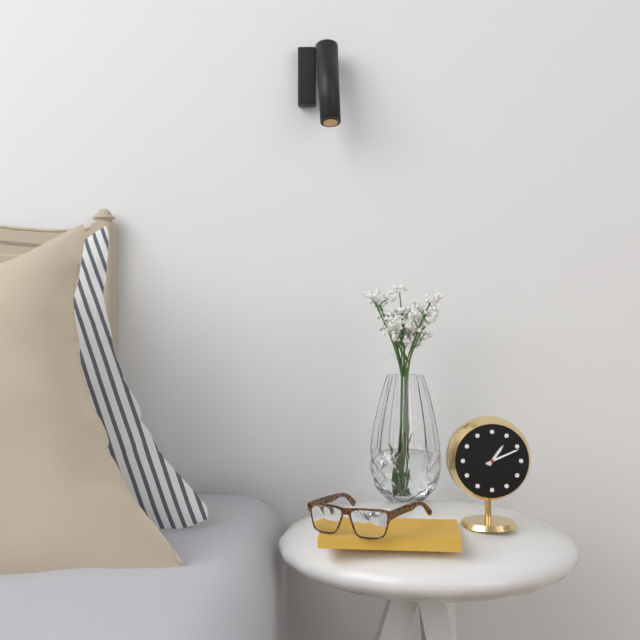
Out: {"hour": 1, "minute": 11}
